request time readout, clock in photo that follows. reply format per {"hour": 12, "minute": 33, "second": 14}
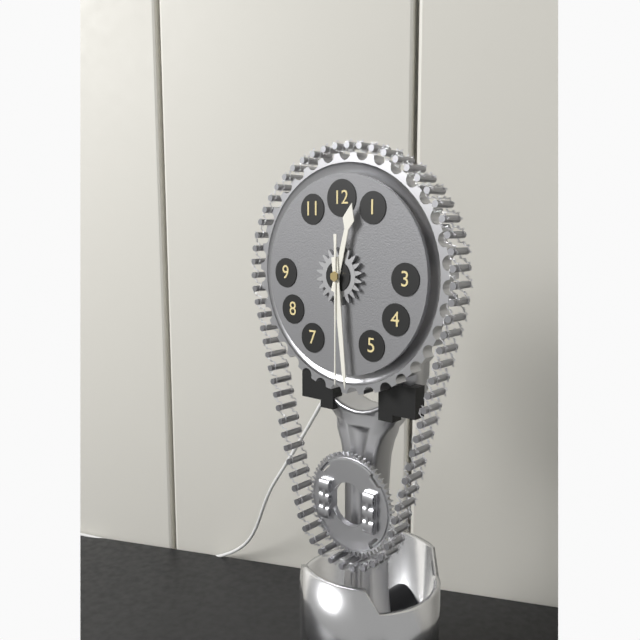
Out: {"hour": 12, "minute": 29, "second": 30}
